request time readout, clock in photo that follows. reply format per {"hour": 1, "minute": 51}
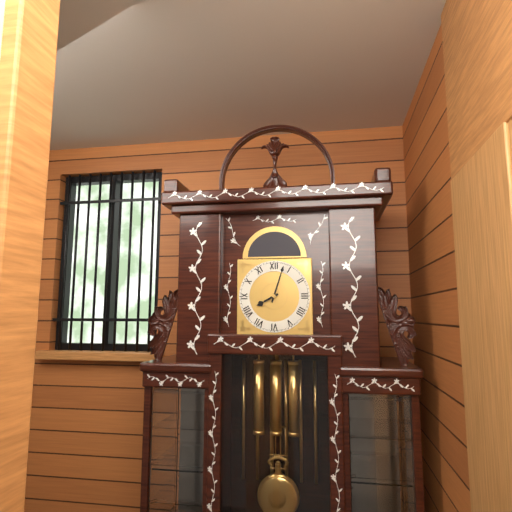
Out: {"hour": 8, "minute": 3}
